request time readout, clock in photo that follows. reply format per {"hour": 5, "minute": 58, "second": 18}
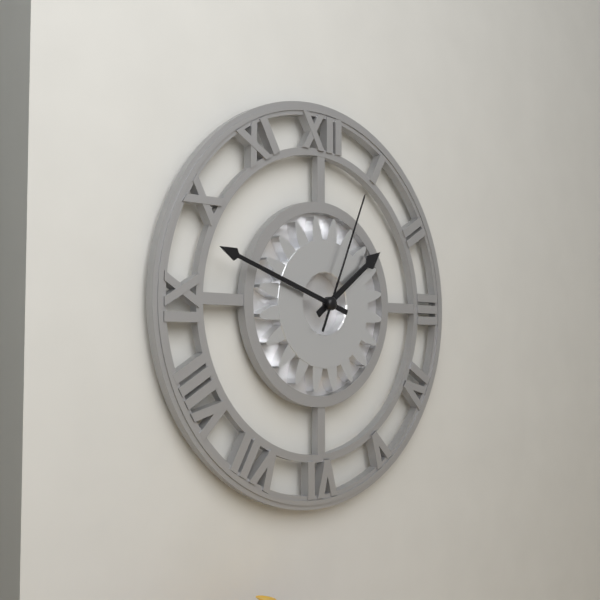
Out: {"hour": 1, "minute": 48, "second": 4}
